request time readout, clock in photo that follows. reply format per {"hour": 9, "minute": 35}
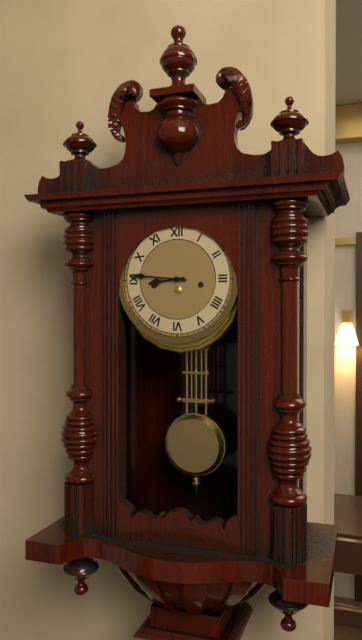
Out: {"hour": 8, "minute": 46}
